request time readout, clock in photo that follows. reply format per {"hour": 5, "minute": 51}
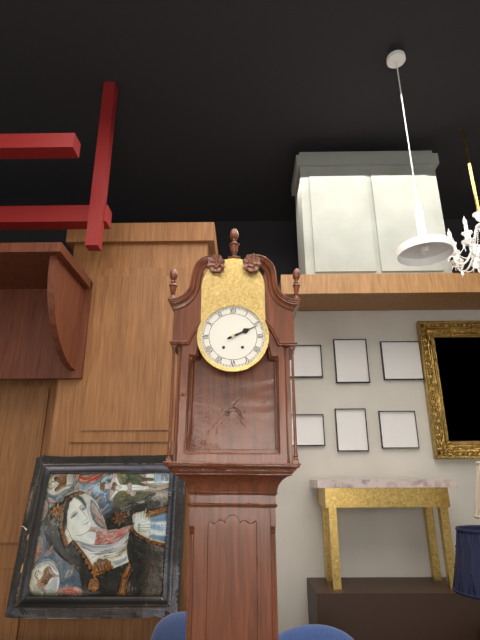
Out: {"hour": 2, "minute": 11}
